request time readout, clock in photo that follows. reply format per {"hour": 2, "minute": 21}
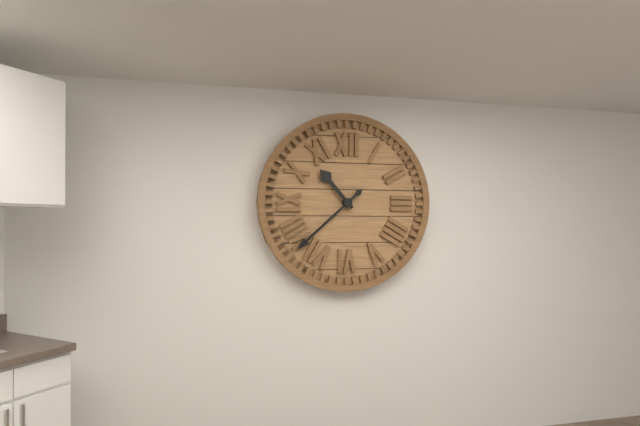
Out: {"hour": 10, "minute": 38}
